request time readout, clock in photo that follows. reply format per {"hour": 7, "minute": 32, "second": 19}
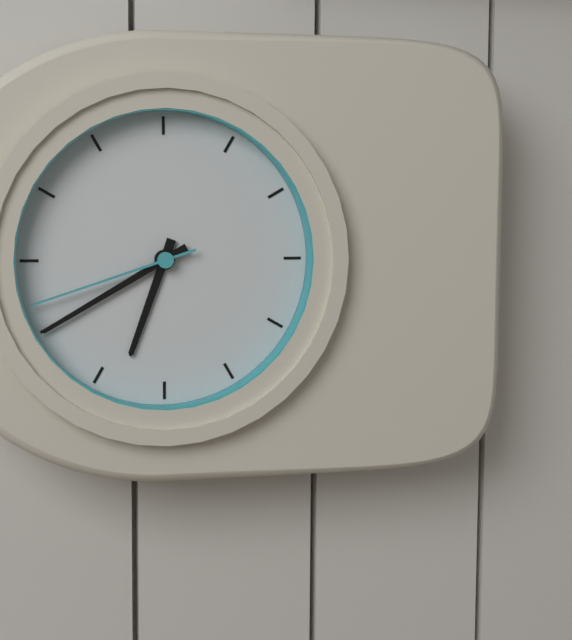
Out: {"hour": 6, "minute": 40, "second": 42}
